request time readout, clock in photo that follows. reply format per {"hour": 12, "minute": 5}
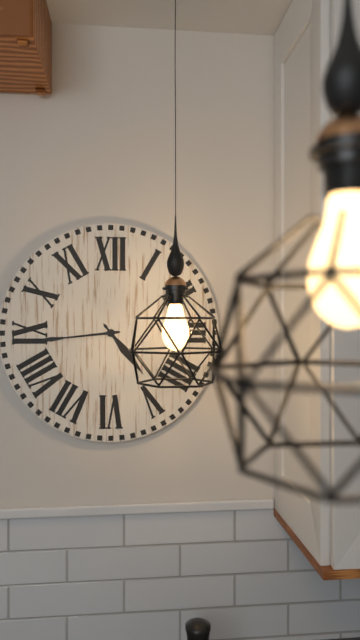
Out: {"hour": 4, "minute": 44}
